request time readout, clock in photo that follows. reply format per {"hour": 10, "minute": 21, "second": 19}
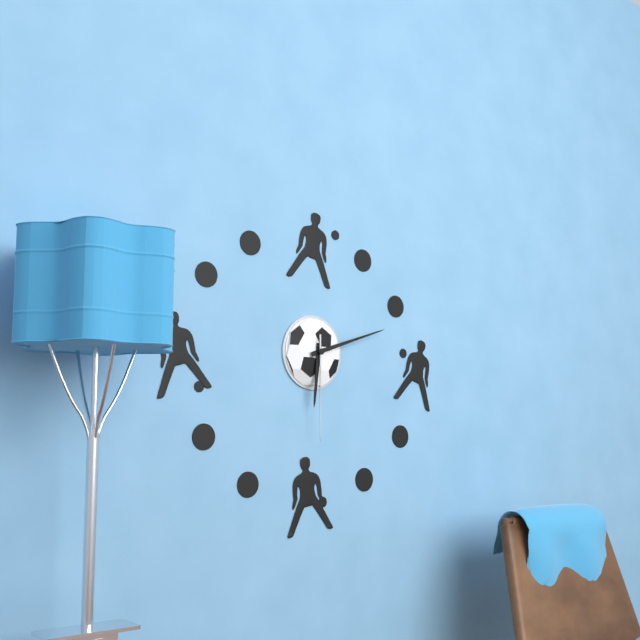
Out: {"hour": 6, "minute": 12, "second": 30}
